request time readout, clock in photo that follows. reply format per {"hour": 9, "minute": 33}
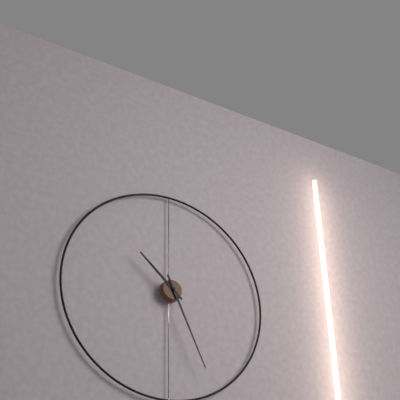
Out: {"hour": 10, "minute": 26}
